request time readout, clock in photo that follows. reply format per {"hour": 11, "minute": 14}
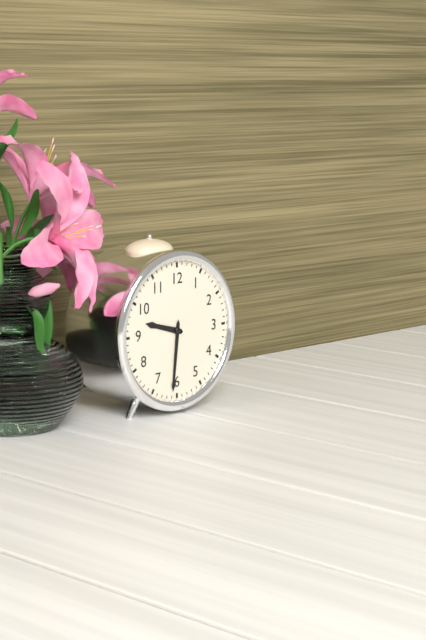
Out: {"hour": 9, "minute": 31}
